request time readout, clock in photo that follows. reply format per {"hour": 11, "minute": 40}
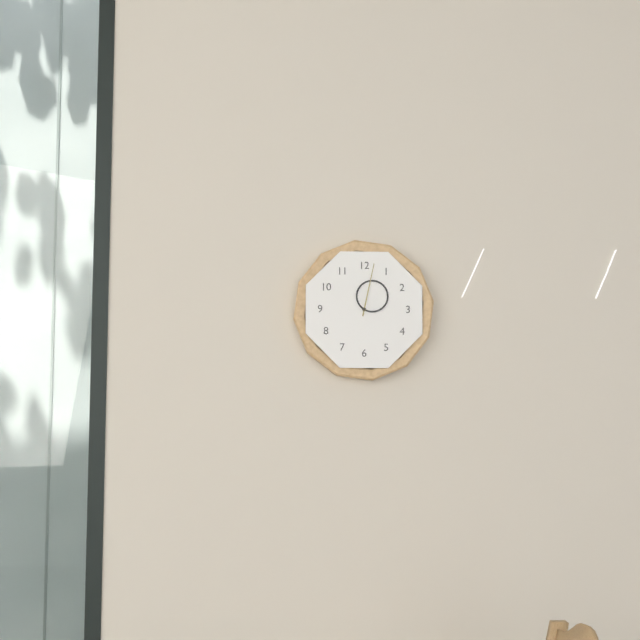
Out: {"hour": 1, "minute": 2}
